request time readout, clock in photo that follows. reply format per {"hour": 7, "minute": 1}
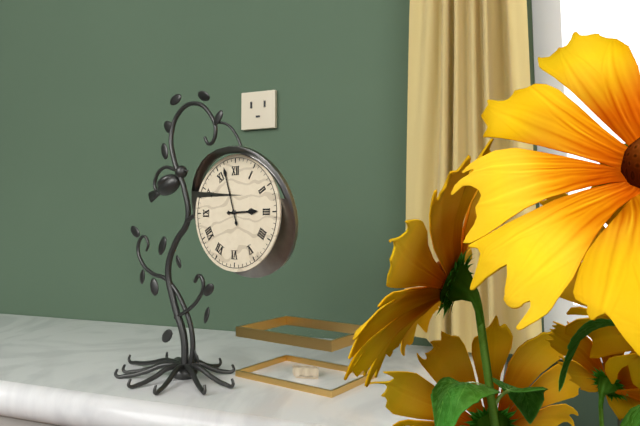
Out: {"hour": 2, "minute": 57}
